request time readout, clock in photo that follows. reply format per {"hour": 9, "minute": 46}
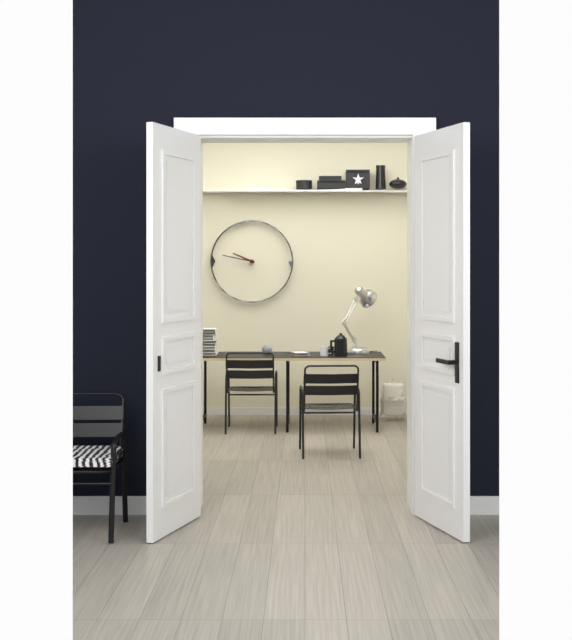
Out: {"hour": 9, "minute": 47}
